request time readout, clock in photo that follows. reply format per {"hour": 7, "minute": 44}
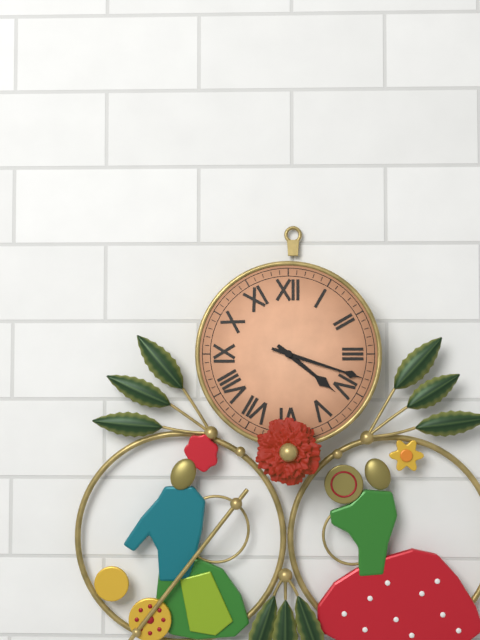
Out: {"hour": 4, "minute": 18}
